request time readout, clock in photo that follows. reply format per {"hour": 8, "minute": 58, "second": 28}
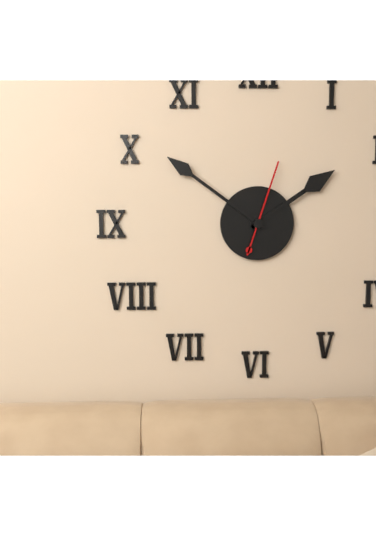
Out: {"hour": 1, "minute": 51, "second": 3}
